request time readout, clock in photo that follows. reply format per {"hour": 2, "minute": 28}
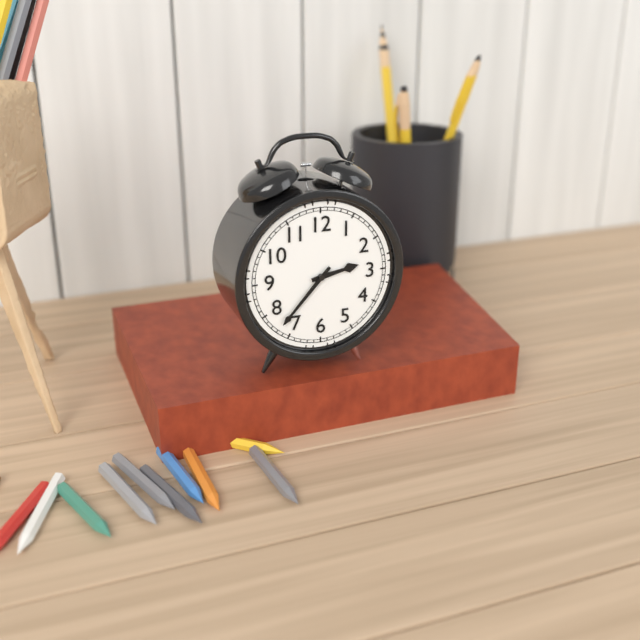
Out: {"hour": 2, "minute": 37}
